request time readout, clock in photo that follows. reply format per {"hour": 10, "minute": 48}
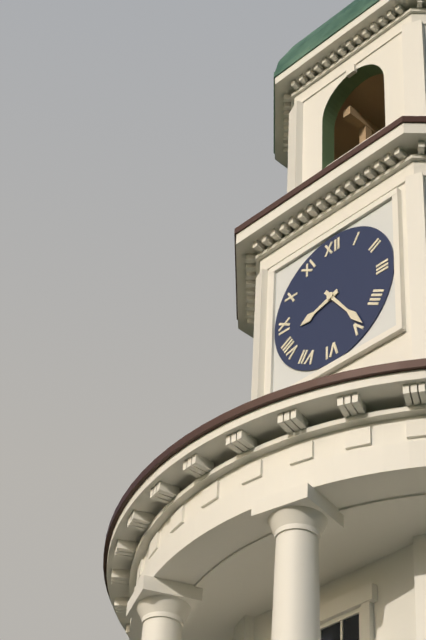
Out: {"hour": 8, "minute": 24}
